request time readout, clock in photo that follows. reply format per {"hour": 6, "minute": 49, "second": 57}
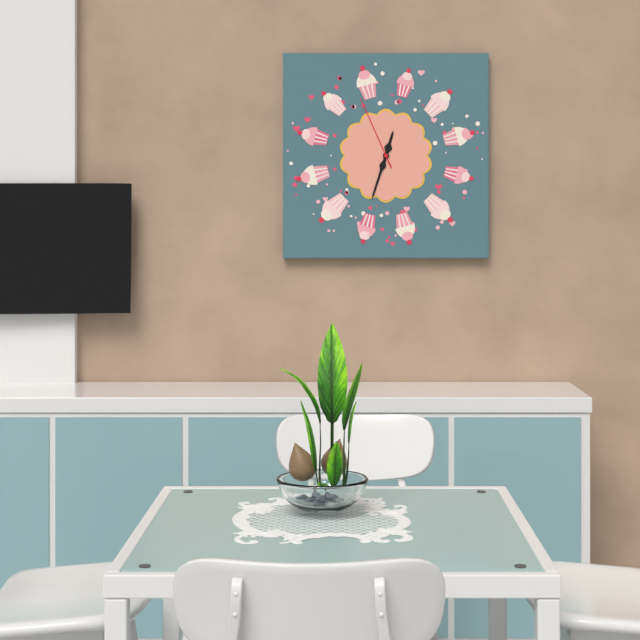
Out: {"hour": 12, "minute": 33, "second": 56}
